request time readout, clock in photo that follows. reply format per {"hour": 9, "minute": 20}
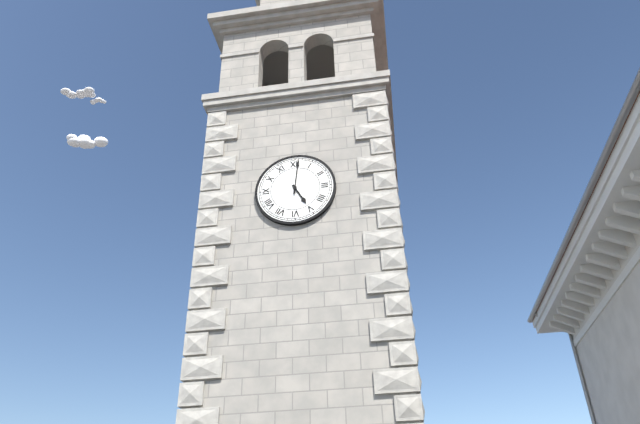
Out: {"hour": 5, "minute": 1}
